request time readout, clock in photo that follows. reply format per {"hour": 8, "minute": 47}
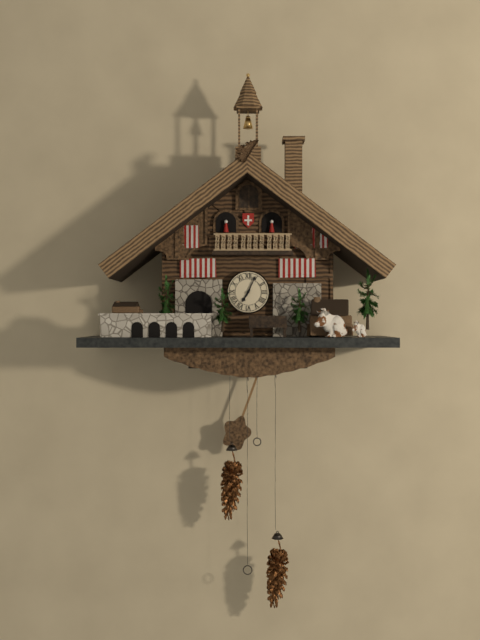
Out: {"hour": 7, "minute": 4}
